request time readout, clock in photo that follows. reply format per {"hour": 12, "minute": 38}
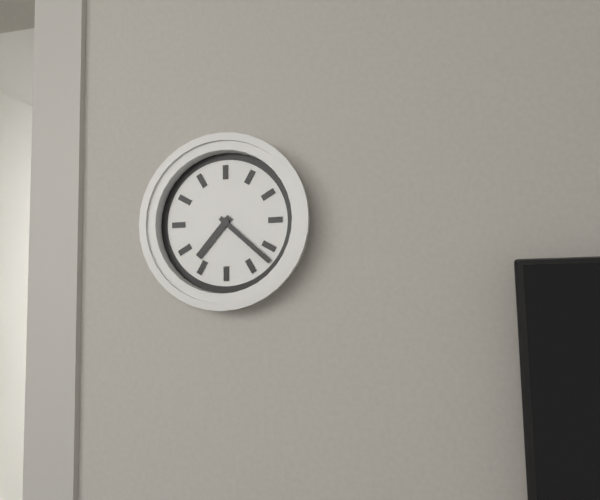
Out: {"hour": 7, "minute": 22}
